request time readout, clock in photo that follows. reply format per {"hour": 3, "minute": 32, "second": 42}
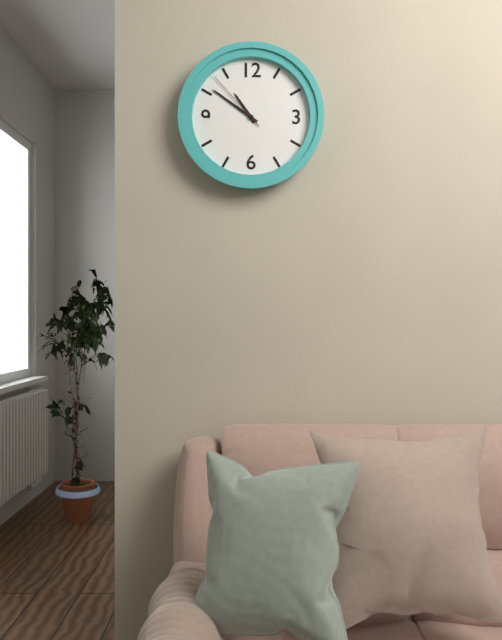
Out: {"hour": 10, "minute": 51, "second": 53}
